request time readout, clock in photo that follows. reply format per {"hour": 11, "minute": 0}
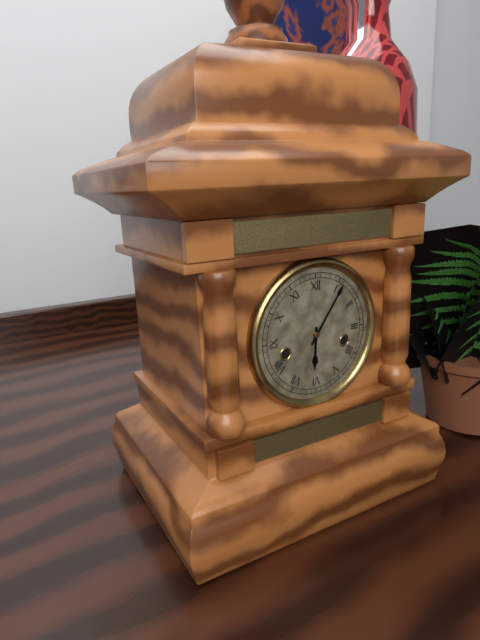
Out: {"hour": 6, "minute": 6}
